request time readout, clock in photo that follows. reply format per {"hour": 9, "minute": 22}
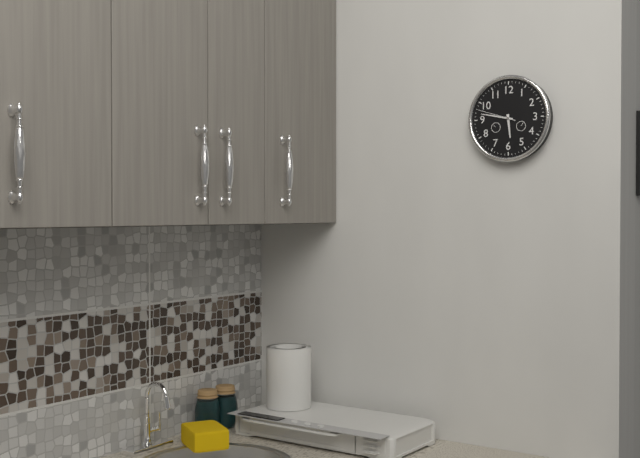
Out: {"hour": 5, "minute": 47}
